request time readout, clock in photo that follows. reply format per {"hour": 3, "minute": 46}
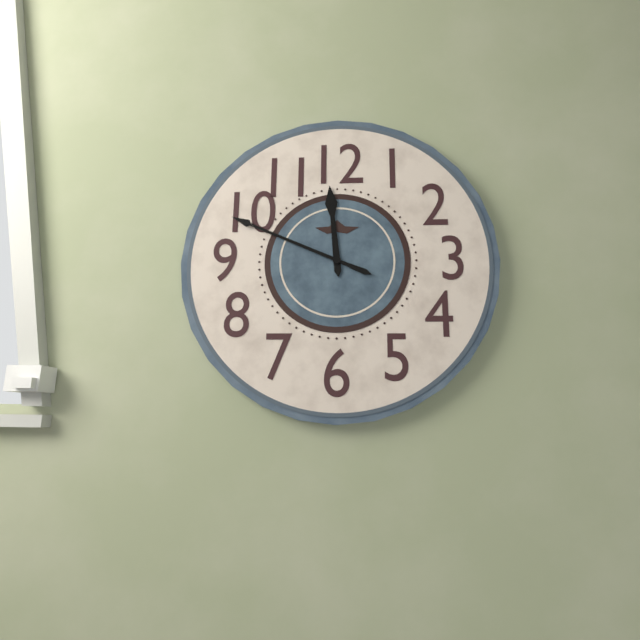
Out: {"hour": 11, "minute": 49}
